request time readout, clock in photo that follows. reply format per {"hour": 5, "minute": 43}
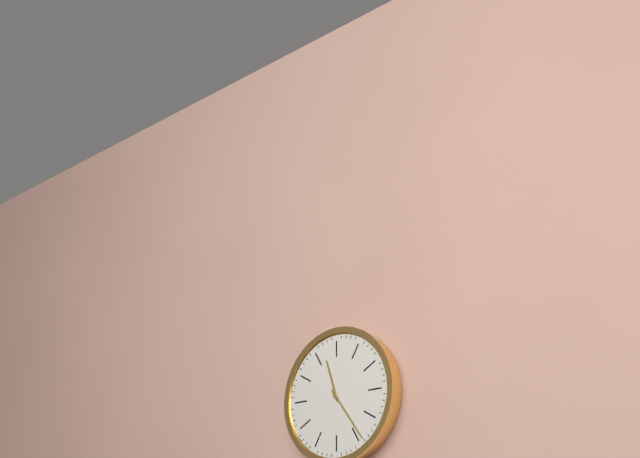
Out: {"hour": 11, "minute": 24}
